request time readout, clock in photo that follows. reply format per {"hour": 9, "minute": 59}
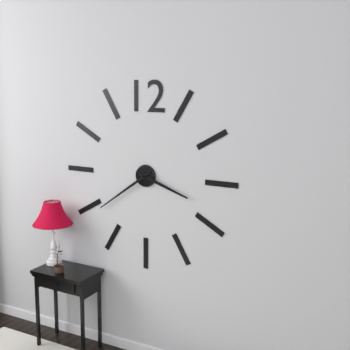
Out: {"hour": 3, "minute": 39}
